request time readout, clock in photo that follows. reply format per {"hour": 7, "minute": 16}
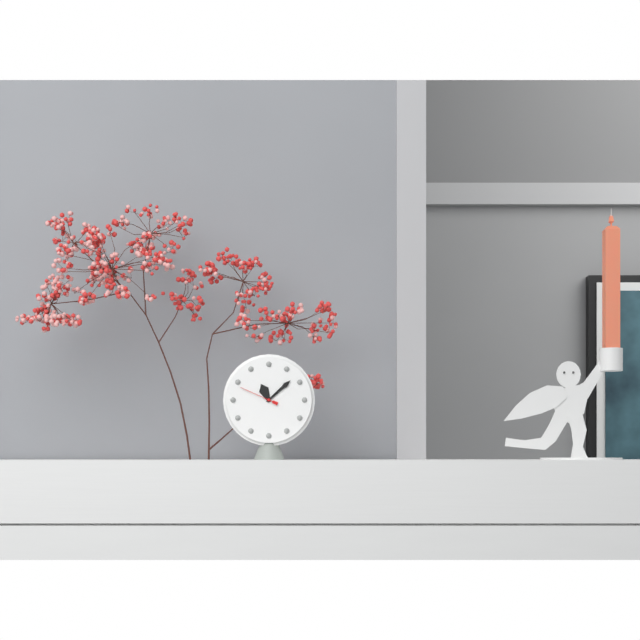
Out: {"hour": 11, "minute": 8}
